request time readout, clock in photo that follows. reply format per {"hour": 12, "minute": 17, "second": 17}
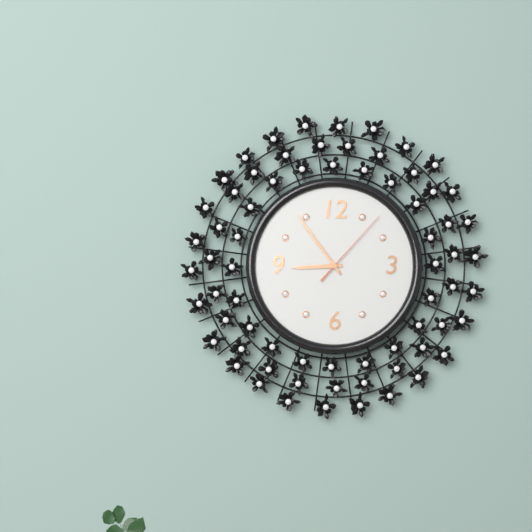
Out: {"hour": 8, "minute": 54, "second": 7}
